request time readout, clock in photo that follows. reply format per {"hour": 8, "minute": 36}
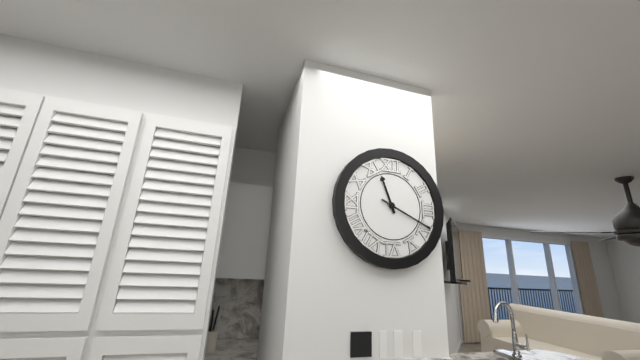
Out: {"hour": 11, "minute": 19}
